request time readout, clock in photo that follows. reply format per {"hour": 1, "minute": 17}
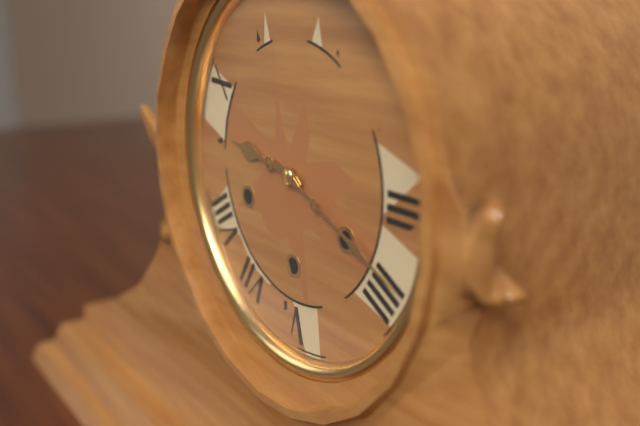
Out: {"hour": 9, "minute": 19}
